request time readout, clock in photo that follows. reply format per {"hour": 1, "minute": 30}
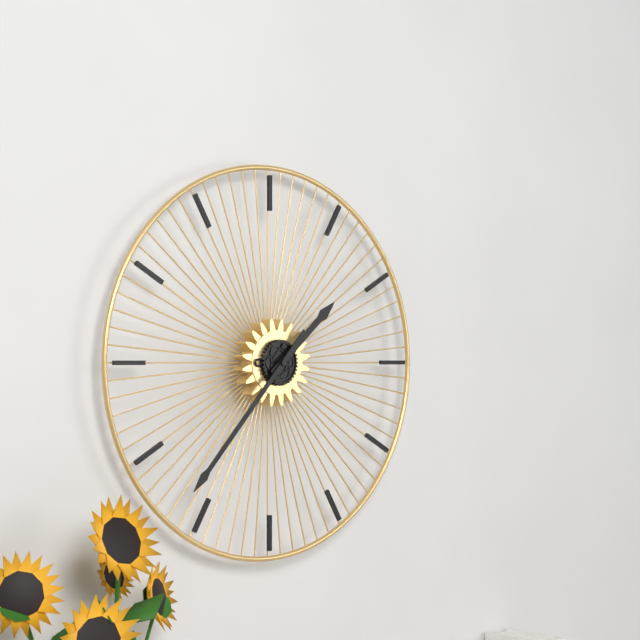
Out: {"hour": 1, "minute": 37}
